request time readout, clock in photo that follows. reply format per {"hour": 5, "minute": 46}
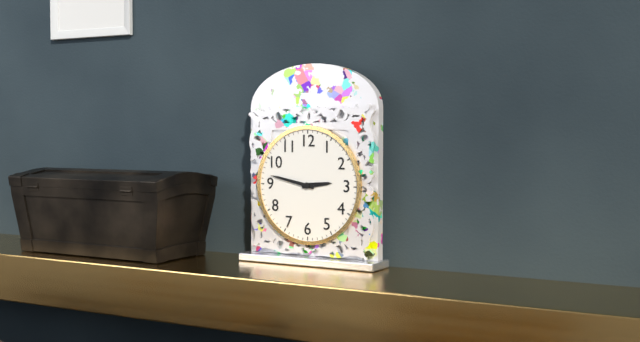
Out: {"hour": 2, "minute": 47}
